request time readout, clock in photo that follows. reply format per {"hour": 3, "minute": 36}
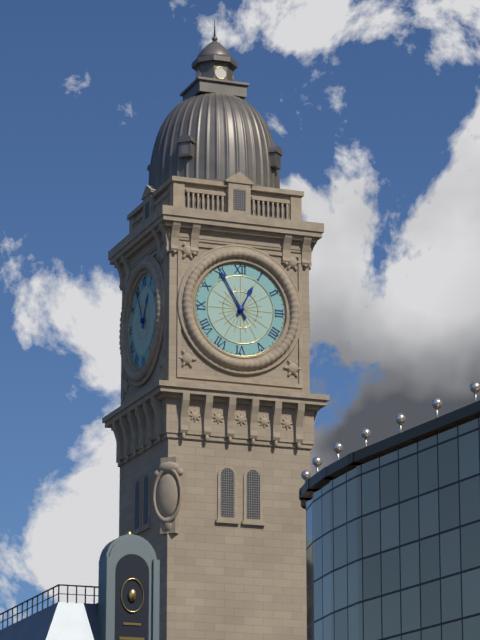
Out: {"hour": 12, "minute": 55}
